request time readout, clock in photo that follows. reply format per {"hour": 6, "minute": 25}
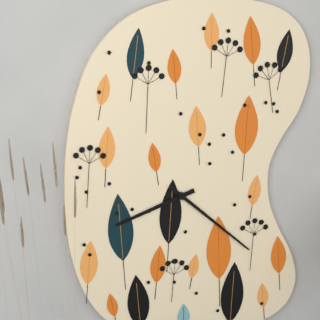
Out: {"hour": 8, "minute": 22}
